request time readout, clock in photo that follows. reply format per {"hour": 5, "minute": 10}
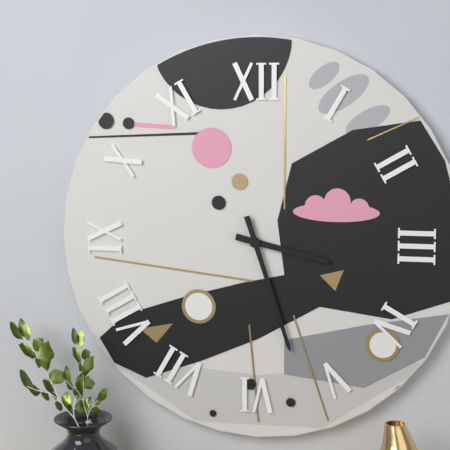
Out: {"hour": 3, "minute": 27}
